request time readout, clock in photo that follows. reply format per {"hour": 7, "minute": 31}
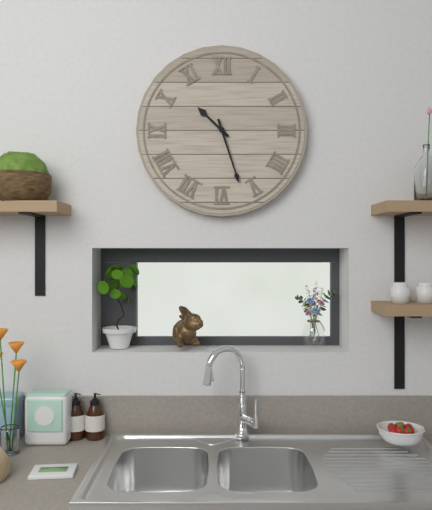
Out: {"hour": 10, "minute": 27}
